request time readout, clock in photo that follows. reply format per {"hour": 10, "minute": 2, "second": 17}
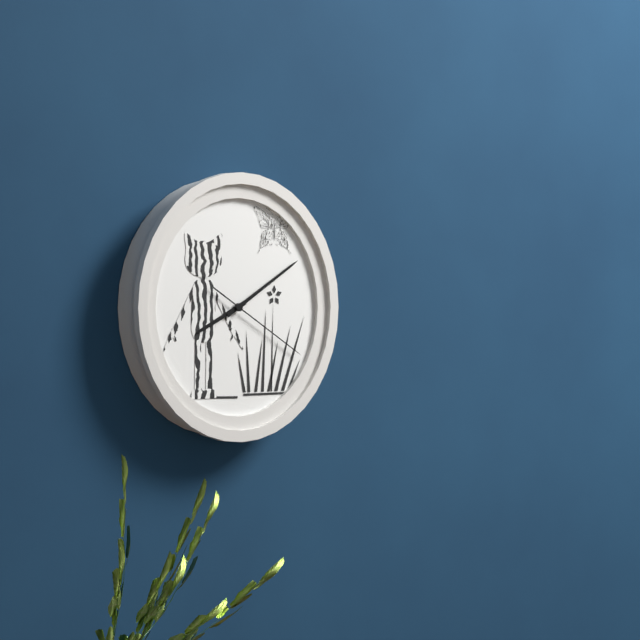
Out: {"hour": 8, "minute": 10, "second": 20}
